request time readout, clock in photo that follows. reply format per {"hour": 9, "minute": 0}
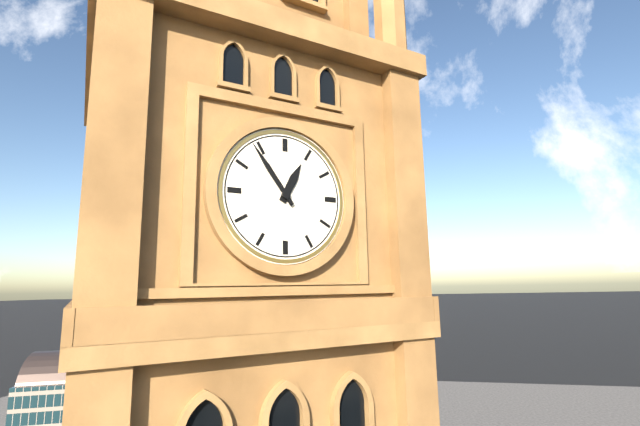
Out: {"hour": 12, "minute": 54}
